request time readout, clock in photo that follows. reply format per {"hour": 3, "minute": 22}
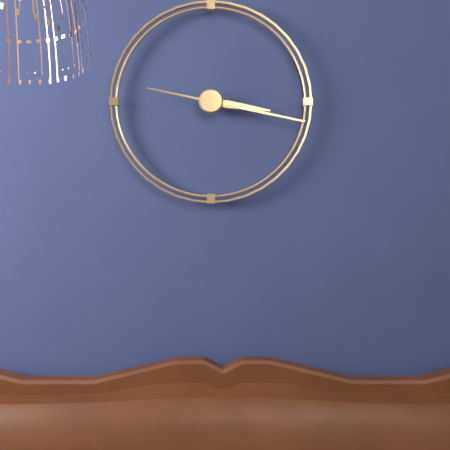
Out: {"hour": 3, "minute": 17}
